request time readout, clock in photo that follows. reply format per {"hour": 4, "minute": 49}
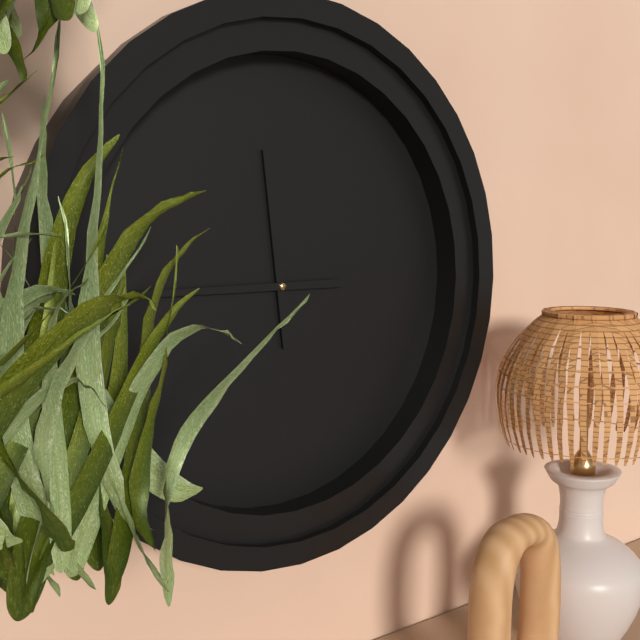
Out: {"hour": 11, "minute": 45}
